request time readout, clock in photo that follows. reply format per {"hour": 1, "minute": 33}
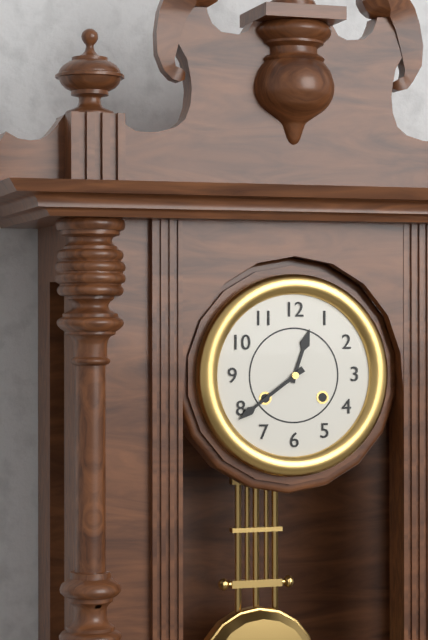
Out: {"hour": 12, "minute": 39}
